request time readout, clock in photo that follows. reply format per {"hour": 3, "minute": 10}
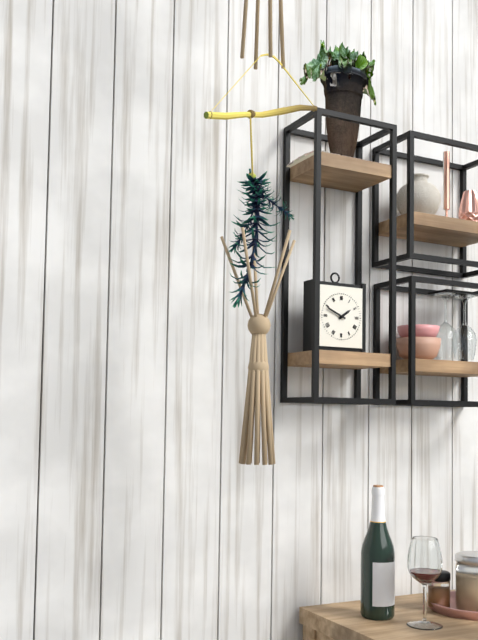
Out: {"hour": 1, "minute": 49}
